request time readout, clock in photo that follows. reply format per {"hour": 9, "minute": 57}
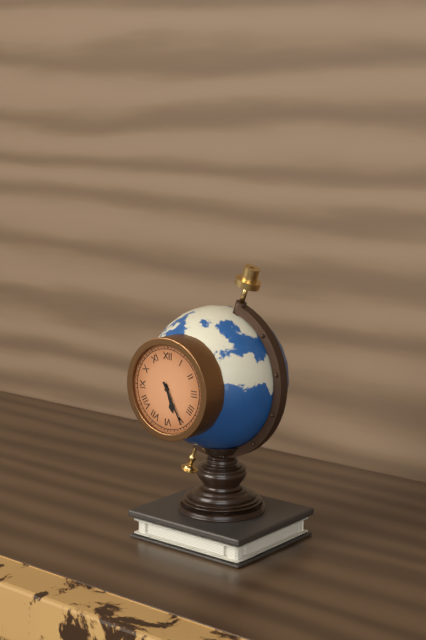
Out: {"hour": 5, "minute": 25}
